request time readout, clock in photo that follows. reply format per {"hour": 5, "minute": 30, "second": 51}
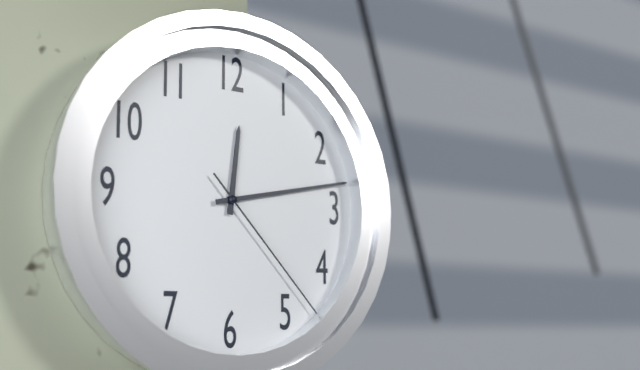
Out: {"hour": 12, "minute": 13, "second": 23}
